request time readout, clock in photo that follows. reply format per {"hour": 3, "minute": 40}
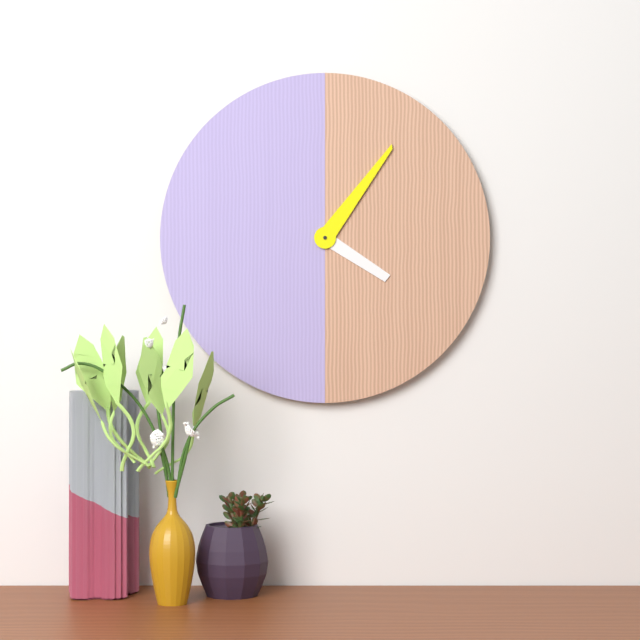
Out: {"hour": 4, "minute": 6}
